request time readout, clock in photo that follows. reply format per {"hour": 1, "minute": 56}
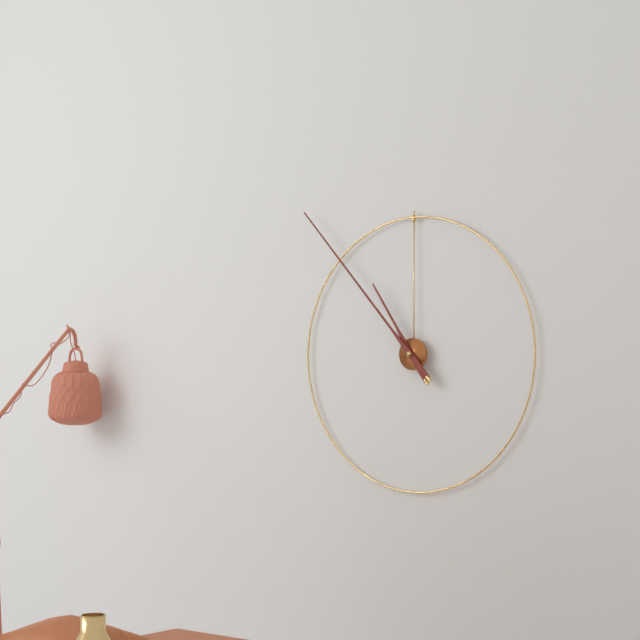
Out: {"hour": 10, "minute": 53}
